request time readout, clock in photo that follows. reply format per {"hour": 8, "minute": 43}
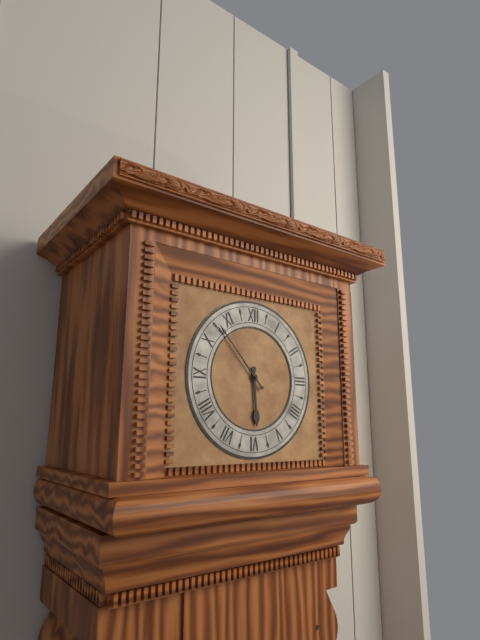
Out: {"hour": 5, "minute": 53}
